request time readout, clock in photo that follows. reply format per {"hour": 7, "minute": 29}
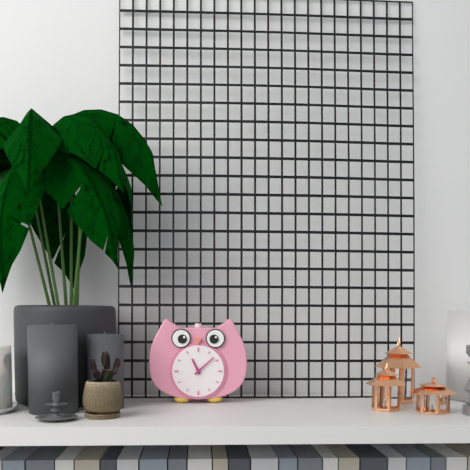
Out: {"hour": 11, "minute": 8}
